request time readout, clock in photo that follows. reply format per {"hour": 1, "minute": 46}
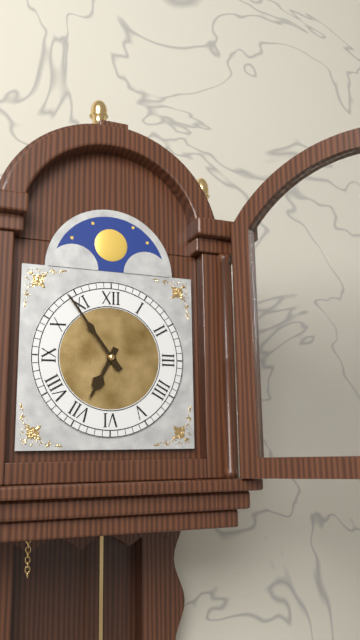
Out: {"hour": 6, "minute": 54}
